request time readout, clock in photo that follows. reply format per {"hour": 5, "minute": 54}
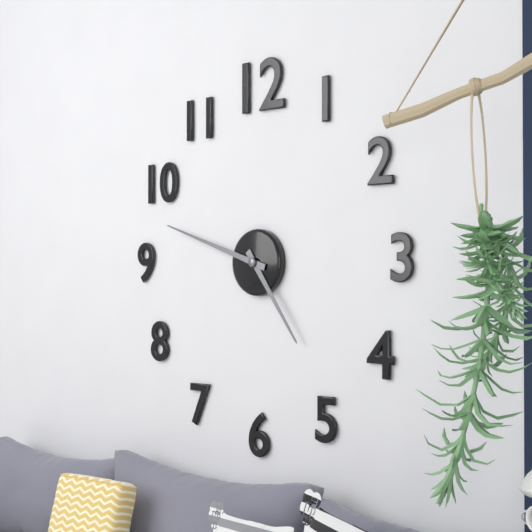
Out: {"hour": 4, "minute": 48}
